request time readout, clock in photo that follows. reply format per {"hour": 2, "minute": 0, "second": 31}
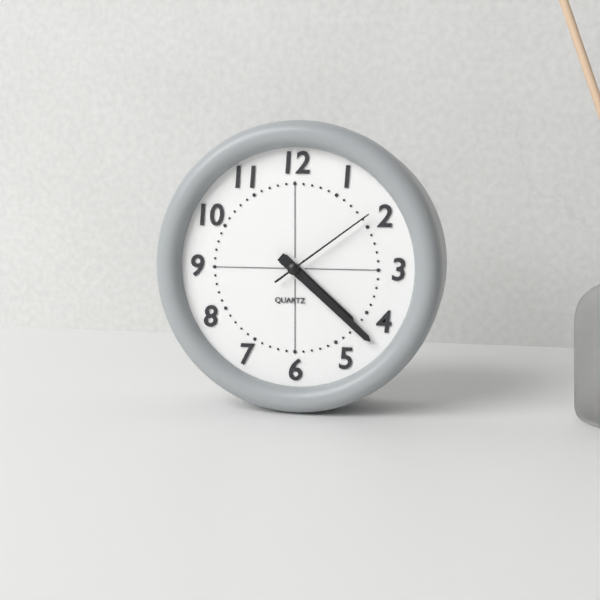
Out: {"hour": 4, "minute": 22, "second": 9}
